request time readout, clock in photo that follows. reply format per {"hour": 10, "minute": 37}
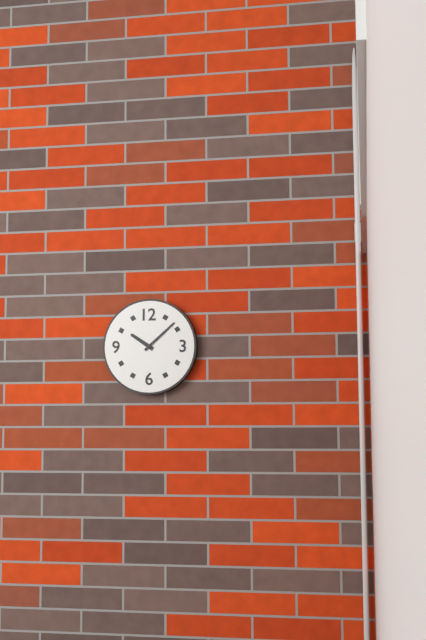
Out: {"hour": 10, "minute": 8}
